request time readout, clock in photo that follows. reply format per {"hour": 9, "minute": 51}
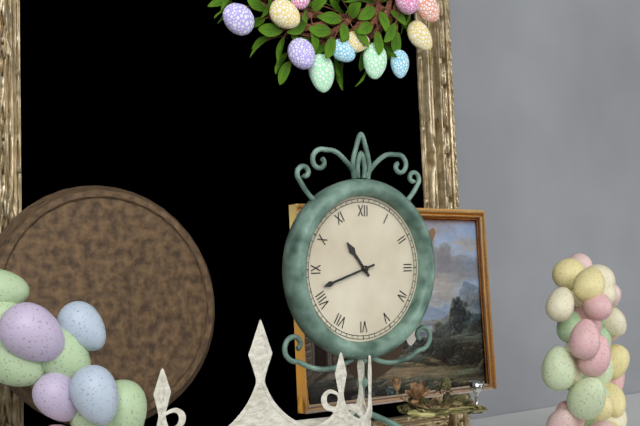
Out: {"hour": 10, "minute": 42}
